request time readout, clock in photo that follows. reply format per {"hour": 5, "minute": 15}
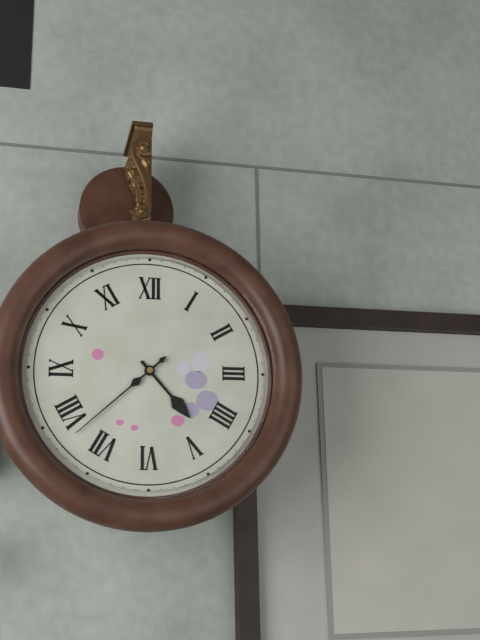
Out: {"hour": 4, "minute": 38}
